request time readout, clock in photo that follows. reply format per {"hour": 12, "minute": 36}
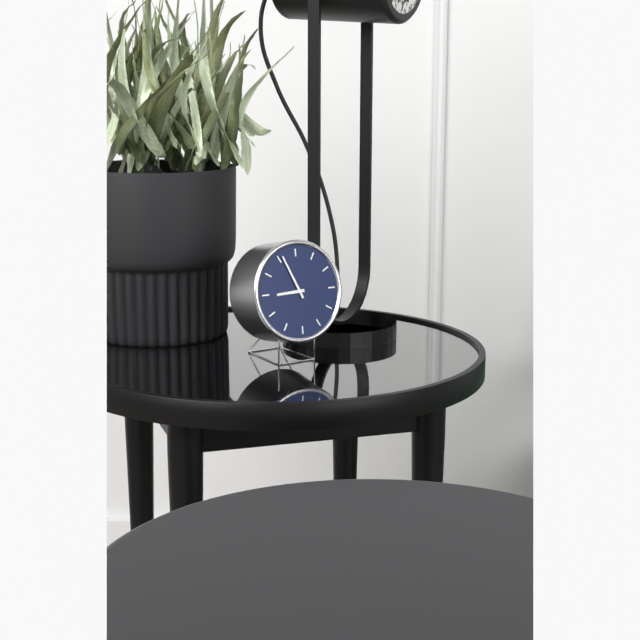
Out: {"hour": 8, "minute": 56}
